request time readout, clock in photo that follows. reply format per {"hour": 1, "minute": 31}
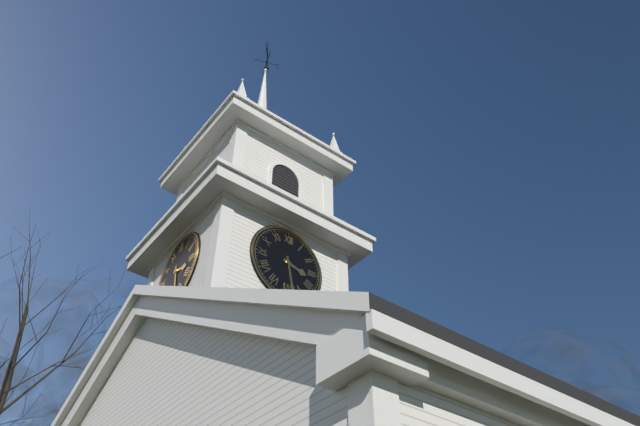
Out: {"hour": 3, "minute": 28}
